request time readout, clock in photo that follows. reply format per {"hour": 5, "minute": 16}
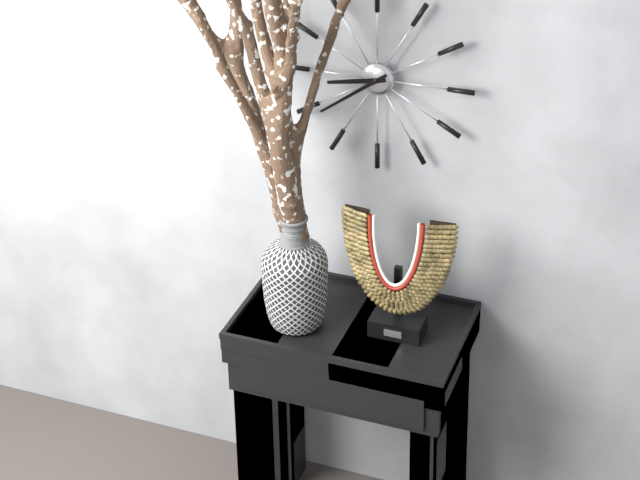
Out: {"hour": 8, "minute": 39}
